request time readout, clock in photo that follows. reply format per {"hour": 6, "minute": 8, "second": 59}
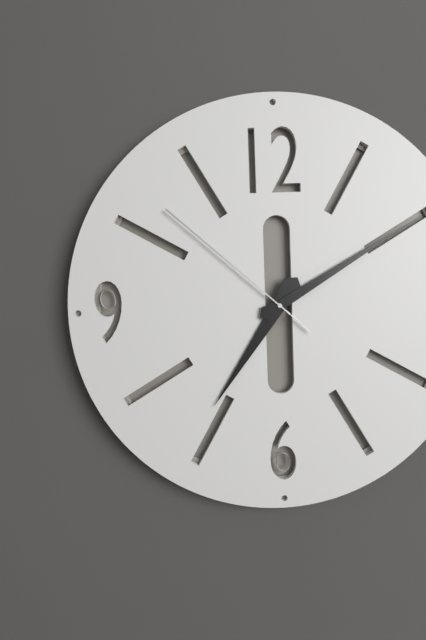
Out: {"hour": 7, "minute": 10, "second": 52}
